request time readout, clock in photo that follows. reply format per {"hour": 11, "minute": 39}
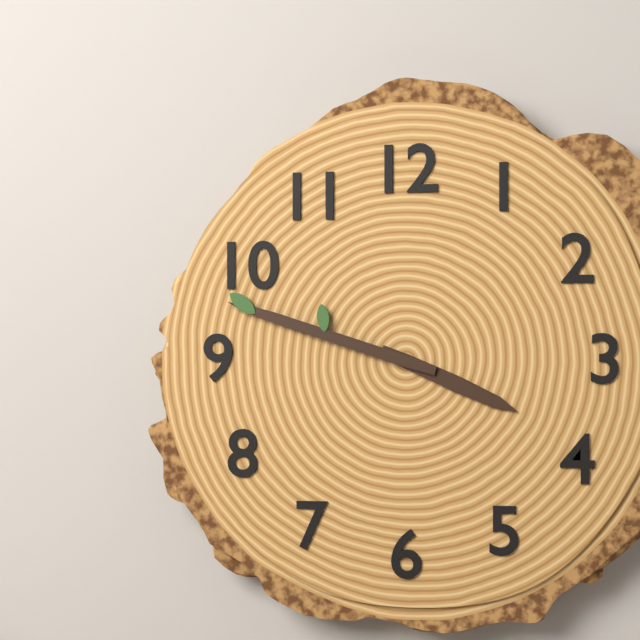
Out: {"hour": 3, "minute": 48}
